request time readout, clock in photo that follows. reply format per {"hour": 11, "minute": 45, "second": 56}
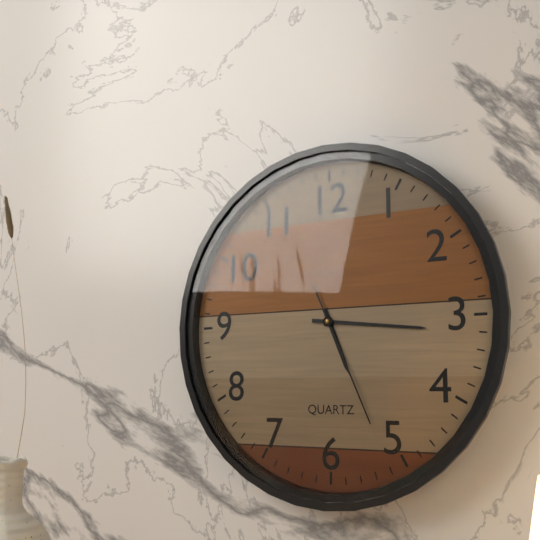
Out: {"hour": 5, "minute": 16, "second": 26}
